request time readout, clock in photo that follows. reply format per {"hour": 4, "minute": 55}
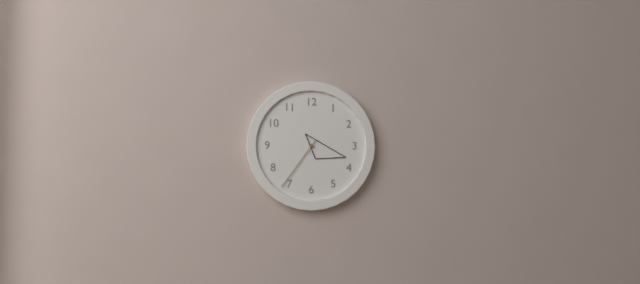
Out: {"hour": 3, "minute": 36}
